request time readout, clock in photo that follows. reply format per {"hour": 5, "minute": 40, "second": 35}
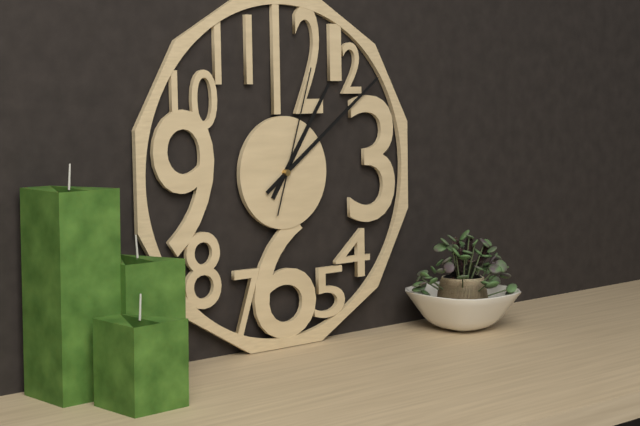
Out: {"hour": 1, "minute": 9, "second": 3}
